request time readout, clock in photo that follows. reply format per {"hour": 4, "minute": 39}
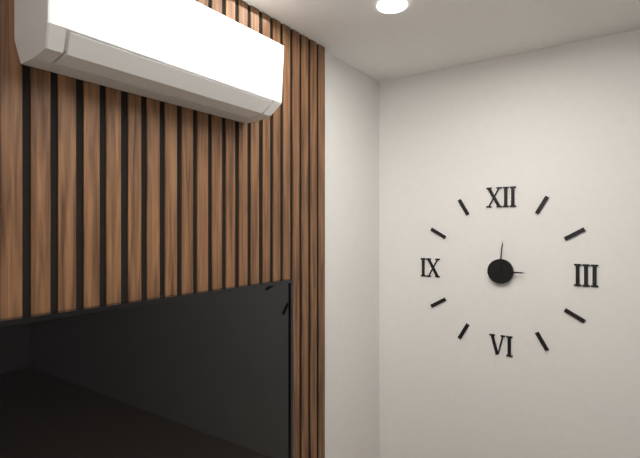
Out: {"hour": 3, "minute": 1}
